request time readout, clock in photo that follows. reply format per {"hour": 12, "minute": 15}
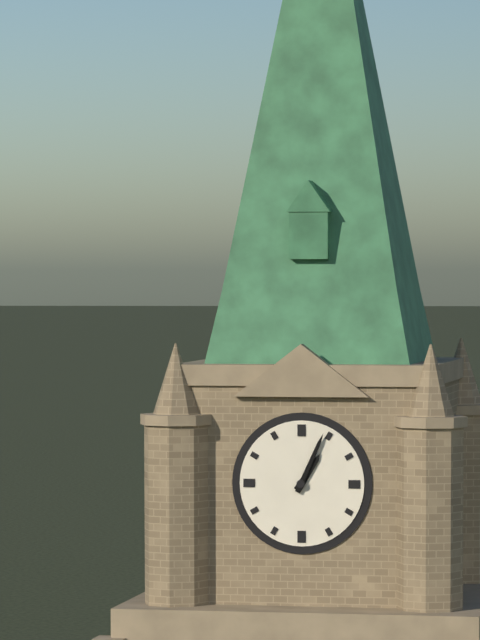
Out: {"hour": 1, "minute": 4}
